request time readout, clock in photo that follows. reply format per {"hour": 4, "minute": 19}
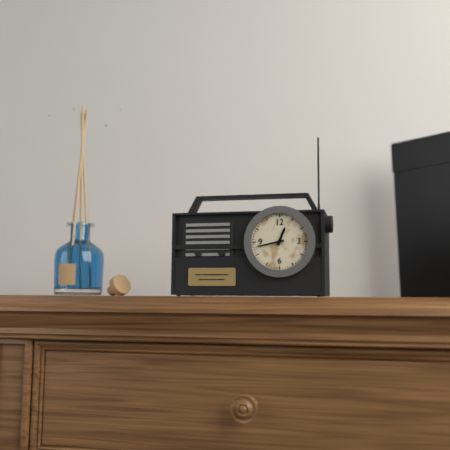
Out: {"hour": 12, "minute": 43}
